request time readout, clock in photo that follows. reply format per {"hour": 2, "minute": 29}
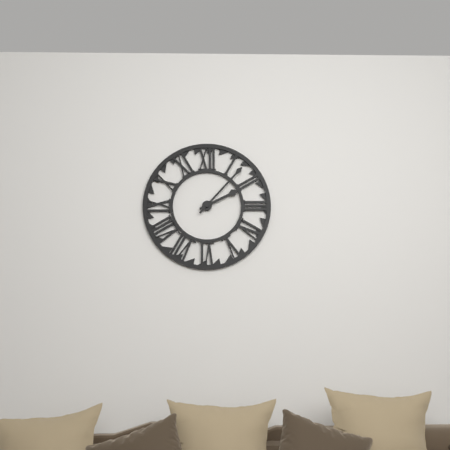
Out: {"hour": 2, "minute": 7}
